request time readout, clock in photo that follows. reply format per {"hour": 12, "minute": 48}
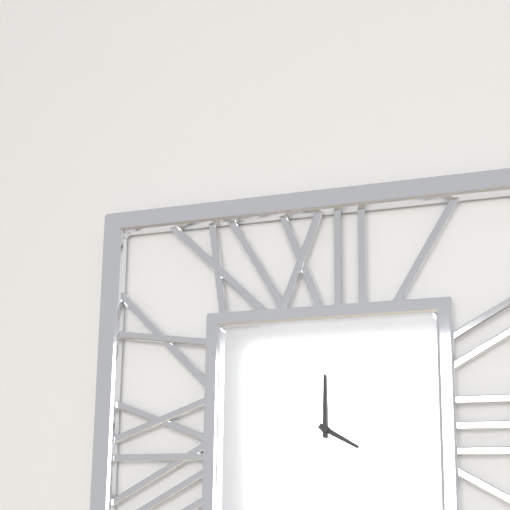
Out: {"hour": 4, "minute": 0}
